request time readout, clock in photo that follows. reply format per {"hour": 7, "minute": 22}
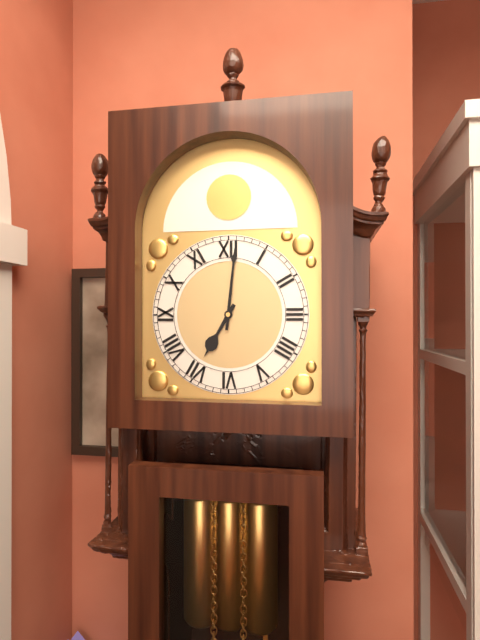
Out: {"hour": 7, "minute": 1}
